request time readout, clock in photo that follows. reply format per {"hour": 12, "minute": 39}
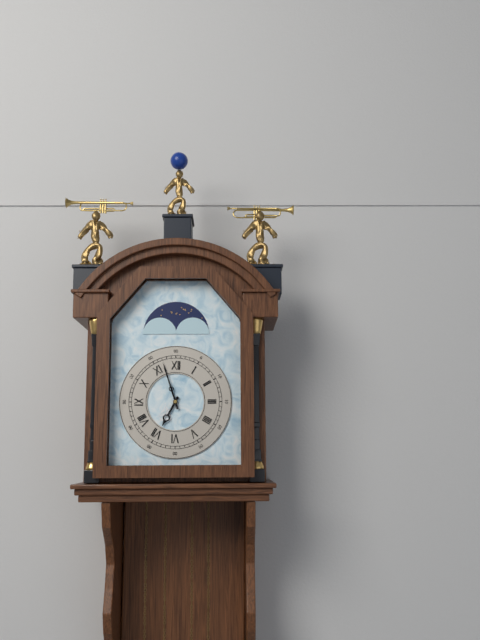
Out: {"hour": 6, "minute": 57}
